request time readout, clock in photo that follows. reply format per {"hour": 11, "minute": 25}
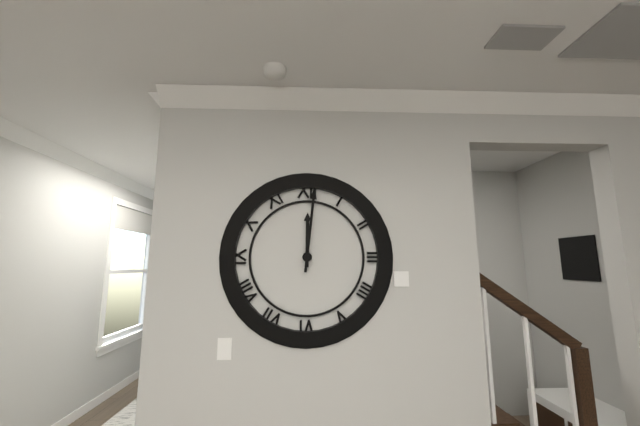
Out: {"hour": 12, "minute": 1}
